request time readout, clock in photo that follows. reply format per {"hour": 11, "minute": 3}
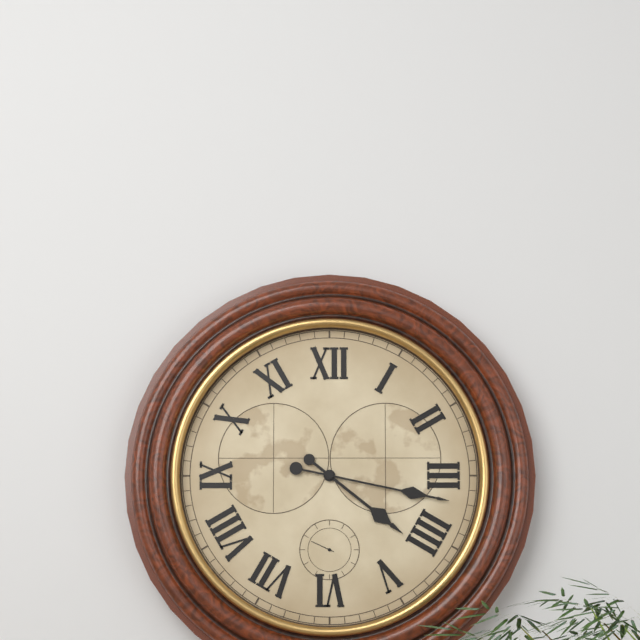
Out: {"hour": 4, "minute": 17}
